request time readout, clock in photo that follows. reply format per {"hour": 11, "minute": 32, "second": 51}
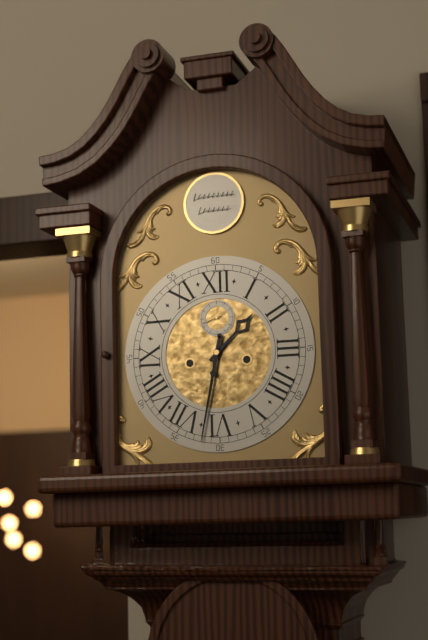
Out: {"hour": 1, "minute": 32, "second": 42}
